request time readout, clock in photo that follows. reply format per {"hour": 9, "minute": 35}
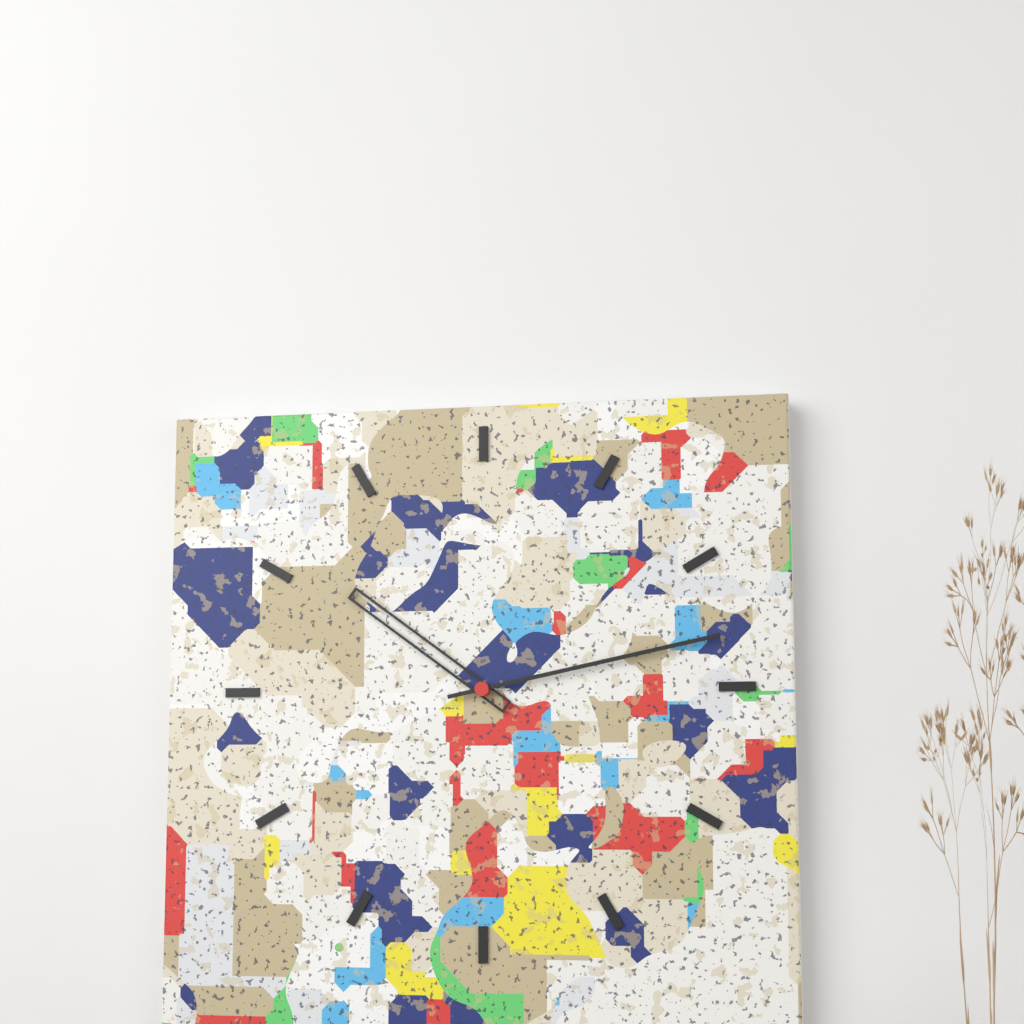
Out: {"hour": 10, "minute": 13}
